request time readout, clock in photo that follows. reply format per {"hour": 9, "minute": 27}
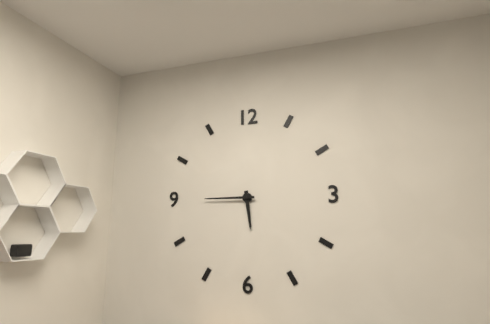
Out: {"hour": 5, "minute": 45}
